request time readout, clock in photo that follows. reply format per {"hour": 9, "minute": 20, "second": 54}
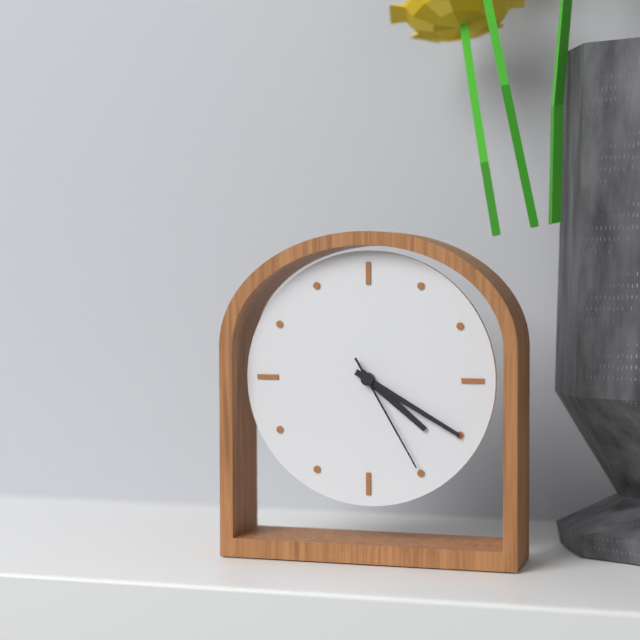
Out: {"hour": 4, "minute": 20, "second": 25}
